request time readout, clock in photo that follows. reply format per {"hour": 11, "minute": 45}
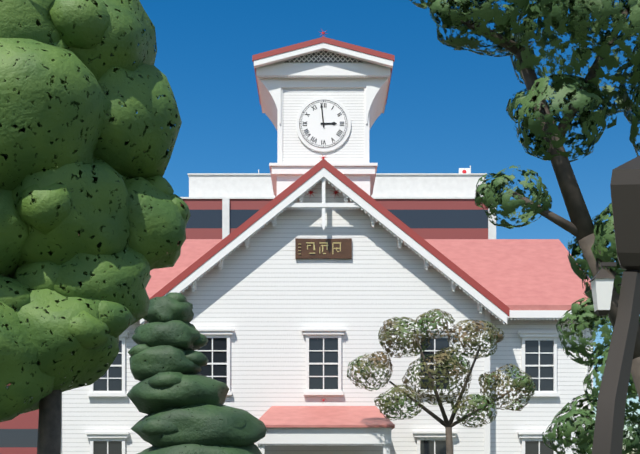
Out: {"hour": 2, "minute": 59}
